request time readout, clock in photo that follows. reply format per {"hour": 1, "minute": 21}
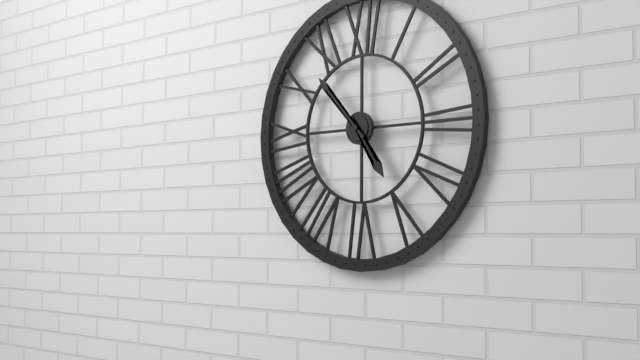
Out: {"hour": 4, "minute": 53}
